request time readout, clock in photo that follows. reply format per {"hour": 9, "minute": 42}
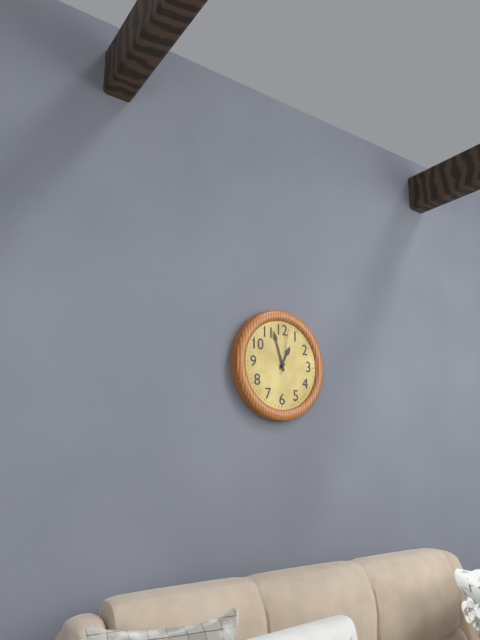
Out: {"hour": 12, "minute": 57}
